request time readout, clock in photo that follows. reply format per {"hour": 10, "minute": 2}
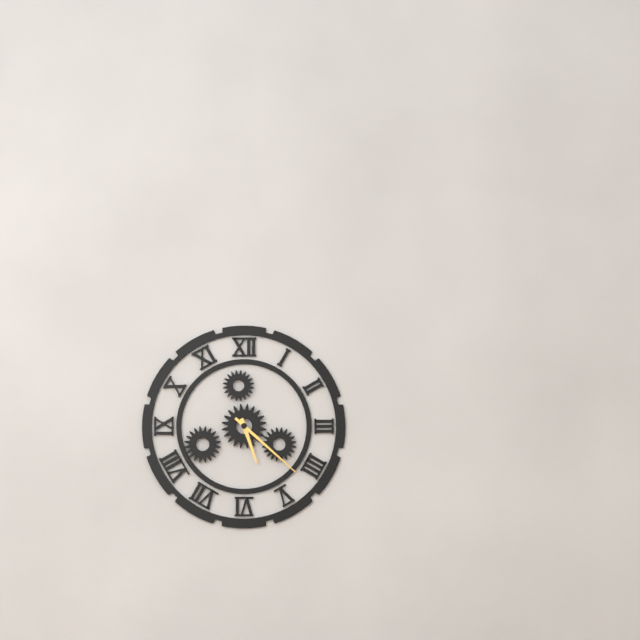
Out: {"hour": 5, "minute": 22}
